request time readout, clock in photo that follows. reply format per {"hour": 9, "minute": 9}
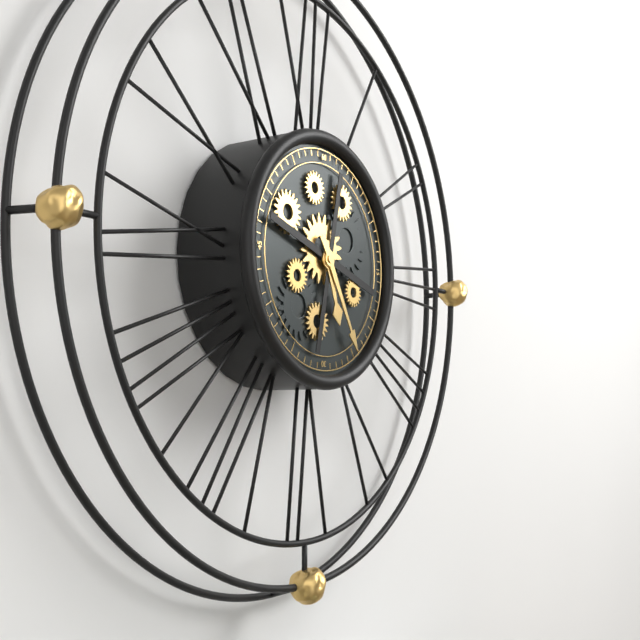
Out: {"hour": 5, "minute": 25}
